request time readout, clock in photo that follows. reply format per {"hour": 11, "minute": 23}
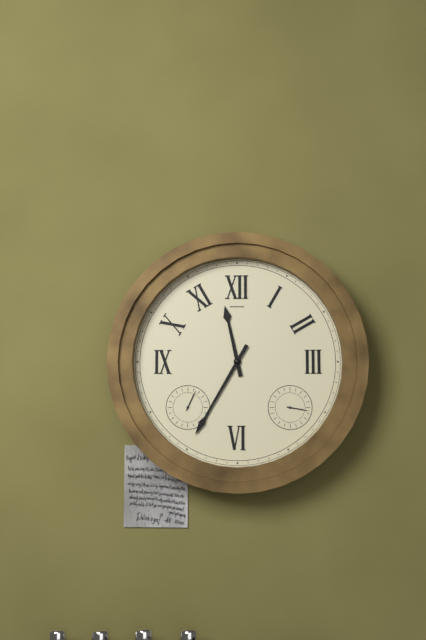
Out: {"hour": 11, "minute": 35}
